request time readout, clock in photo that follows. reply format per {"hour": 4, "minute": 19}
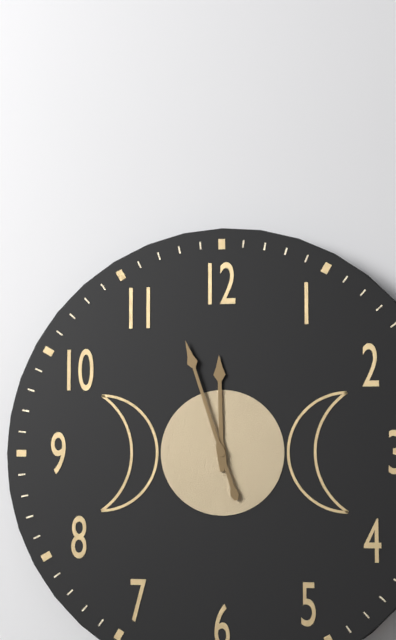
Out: {"hour": 11, "minute": 57}
